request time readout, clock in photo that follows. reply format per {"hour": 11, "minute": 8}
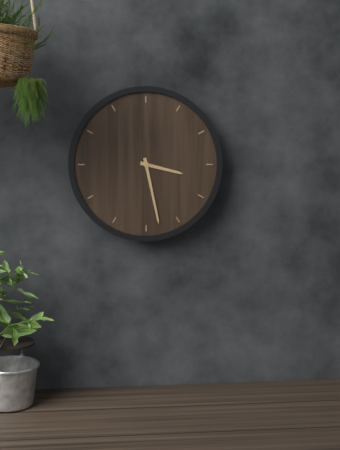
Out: {"hour": 3, "minute": 28}
